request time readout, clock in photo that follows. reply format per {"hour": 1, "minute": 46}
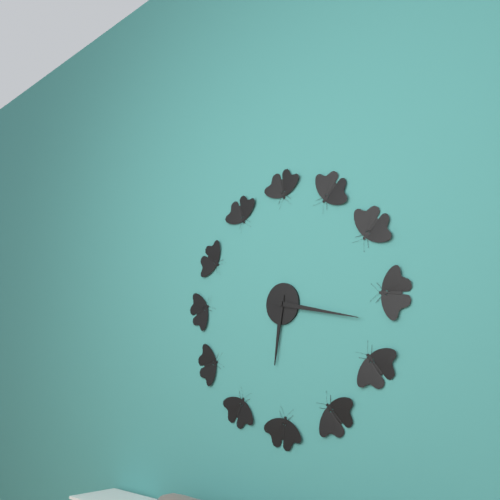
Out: {"hour": 6, "minute": 17}
